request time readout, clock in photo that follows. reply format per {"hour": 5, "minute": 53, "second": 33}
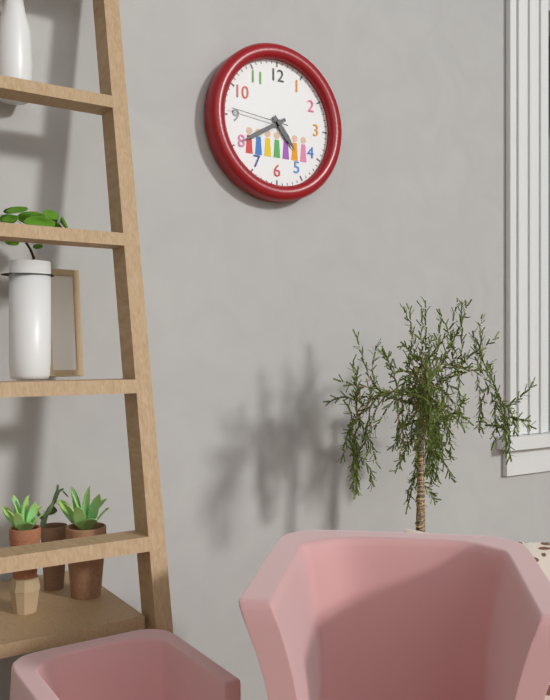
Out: {"hour": 4, "minute": 40, "second": 46}
